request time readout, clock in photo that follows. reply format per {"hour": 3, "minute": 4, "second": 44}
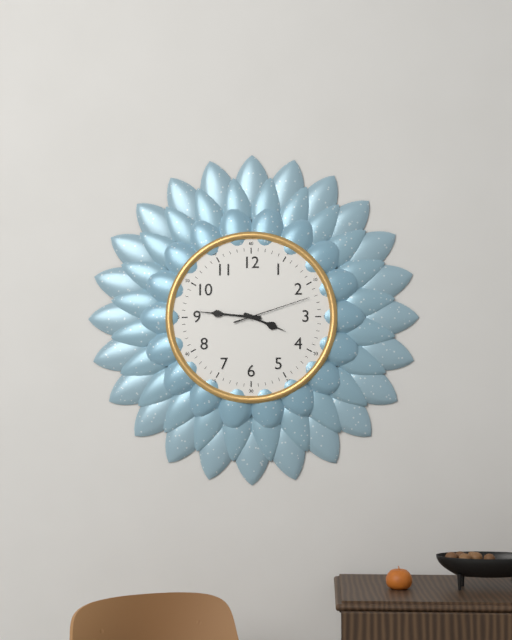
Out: {"hour": 3, "minute": 46, "second": 12}
